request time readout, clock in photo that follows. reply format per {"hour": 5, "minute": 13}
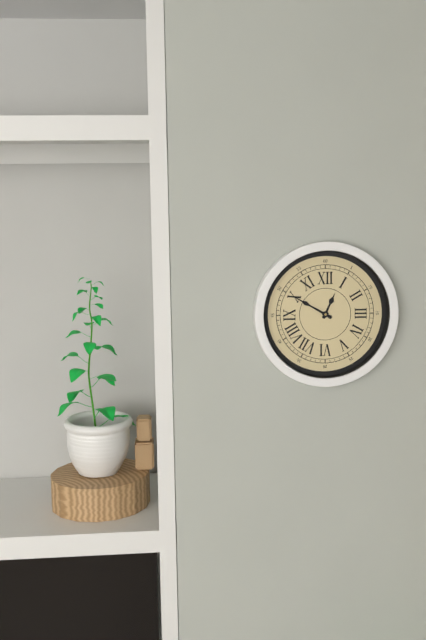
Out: {"hour": 12, "minute": 50}
